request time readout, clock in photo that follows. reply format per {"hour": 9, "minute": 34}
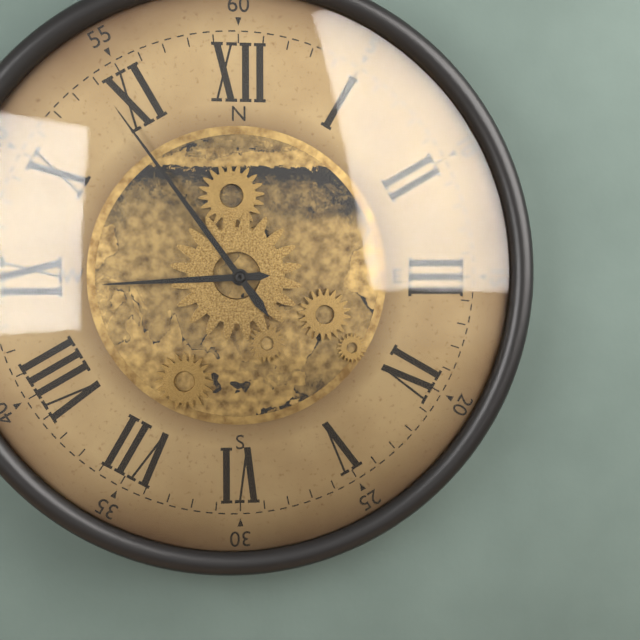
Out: {"hour": 8, "minute": 54}
